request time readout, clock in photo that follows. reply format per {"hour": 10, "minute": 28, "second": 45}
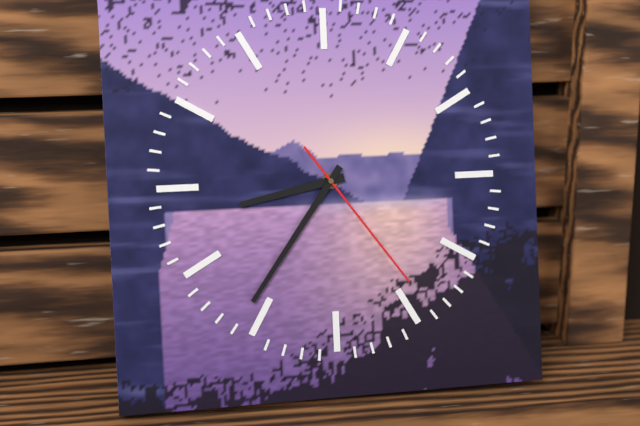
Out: {"hour": 8, "minute": 36, "second": 24}
